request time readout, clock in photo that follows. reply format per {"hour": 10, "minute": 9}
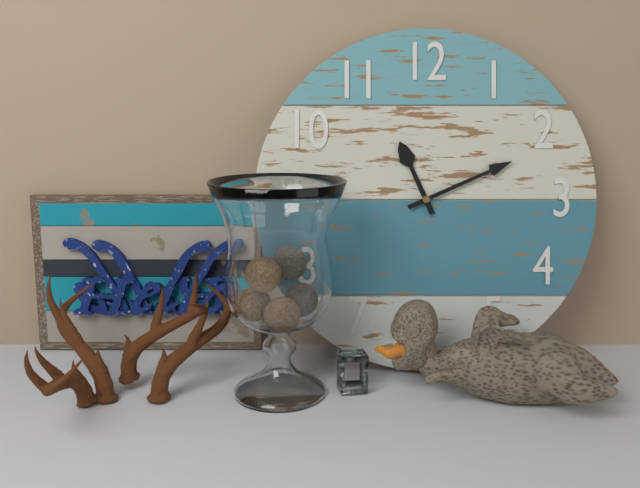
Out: {"hour": 11, "minute": 11}
